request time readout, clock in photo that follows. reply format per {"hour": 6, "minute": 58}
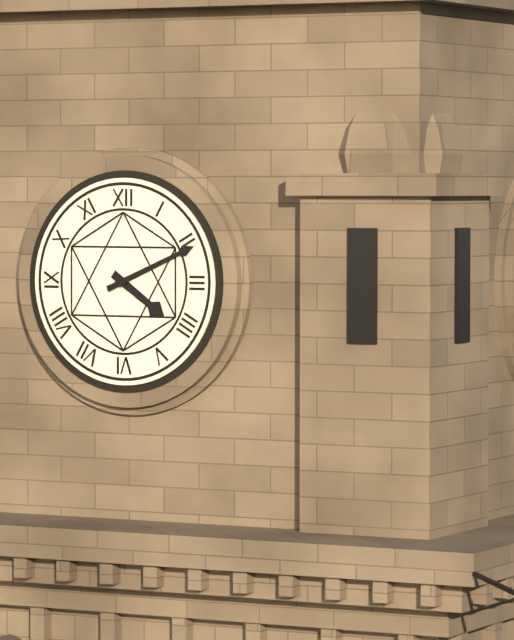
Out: {"hour": 4, "minute": 11}
